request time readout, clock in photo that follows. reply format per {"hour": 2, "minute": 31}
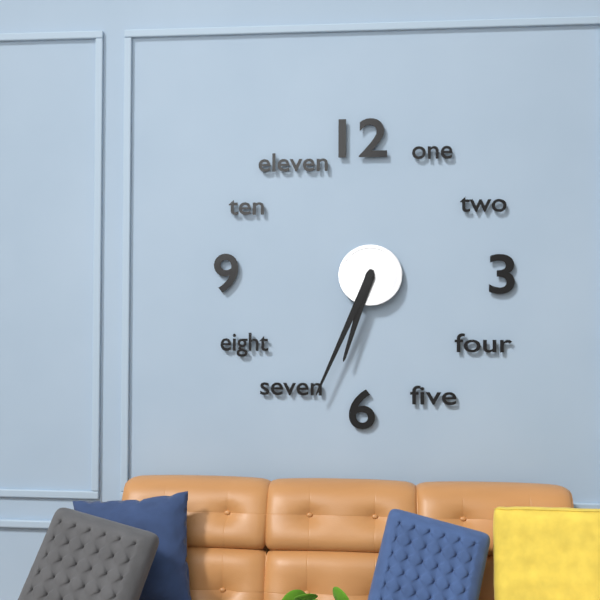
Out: {"hour": 6, "minute": 34}
